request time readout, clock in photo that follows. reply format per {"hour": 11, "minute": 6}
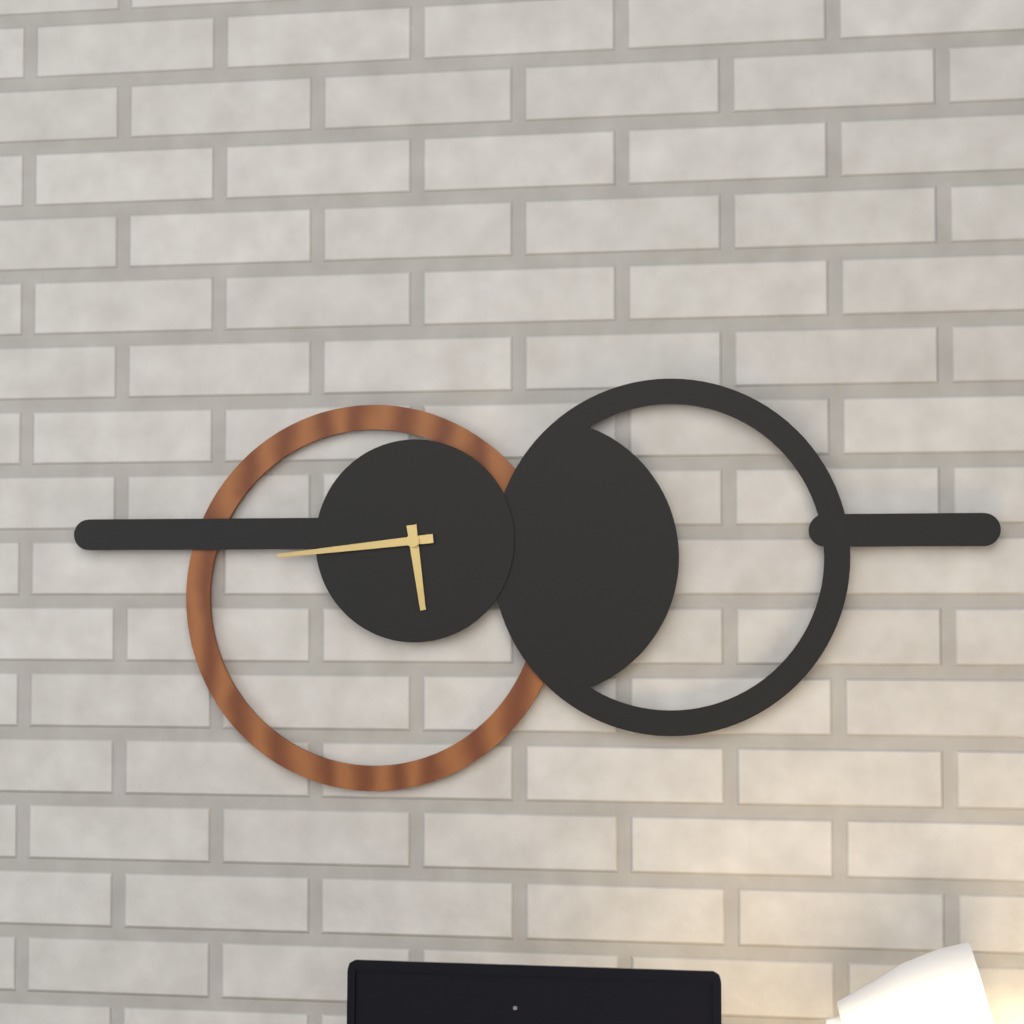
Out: {"hour": 5, "minute": 44}
